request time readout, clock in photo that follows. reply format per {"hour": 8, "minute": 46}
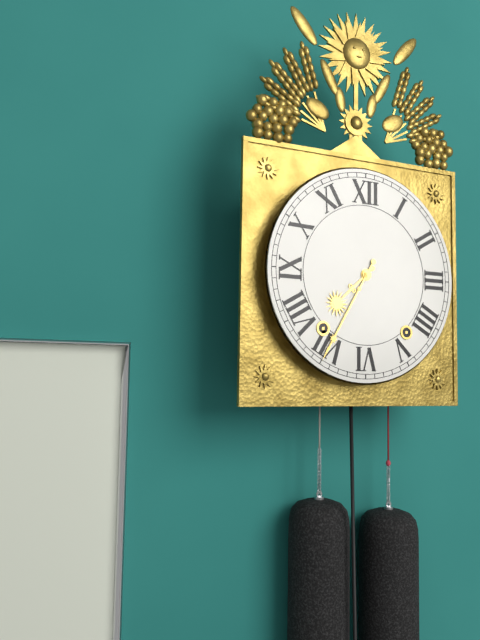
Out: {"hour": 7, "minute": 35}
